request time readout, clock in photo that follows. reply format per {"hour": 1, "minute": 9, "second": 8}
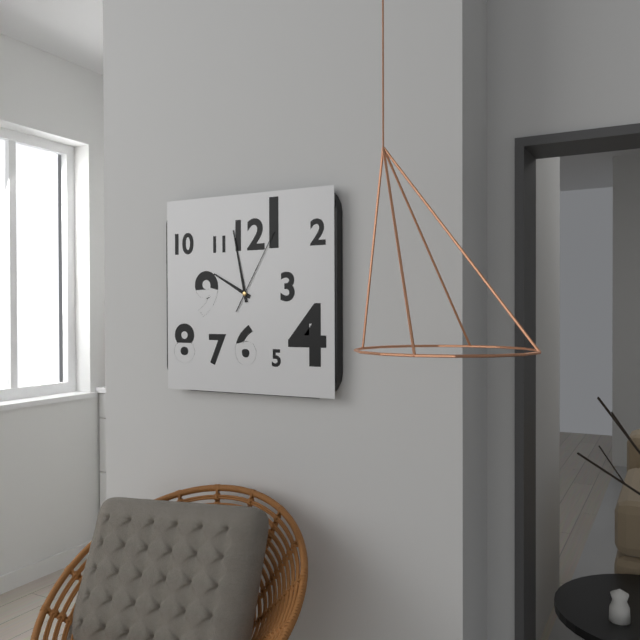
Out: {"hour": 9, "minute": 58, "second": 5}
